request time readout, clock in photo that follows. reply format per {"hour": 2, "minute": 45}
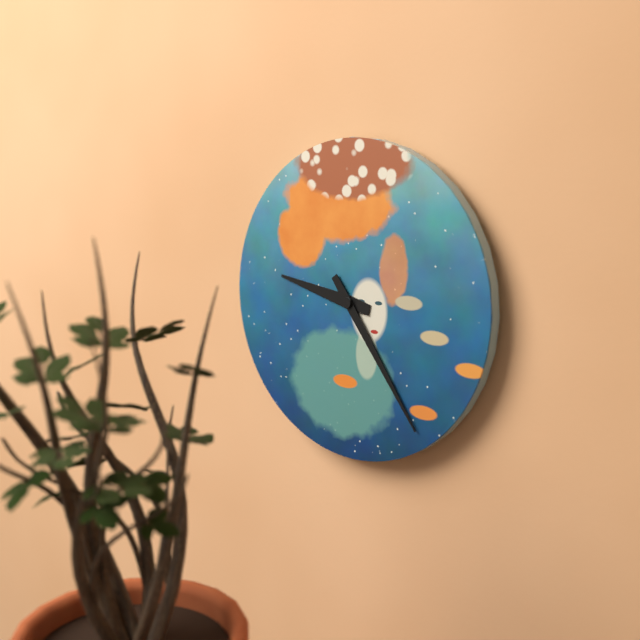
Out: {"hour": 9, "minute": 24}
